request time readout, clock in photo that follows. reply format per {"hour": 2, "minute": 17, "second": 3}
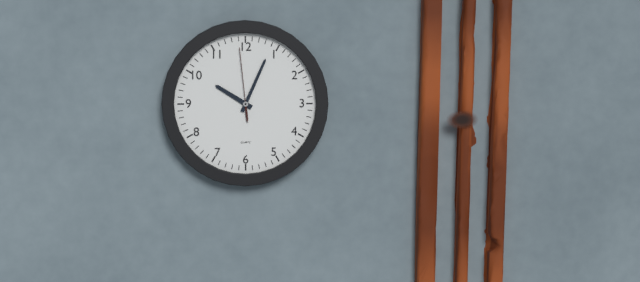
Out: {"hour": 10, "minute": 4, "second": 59}
